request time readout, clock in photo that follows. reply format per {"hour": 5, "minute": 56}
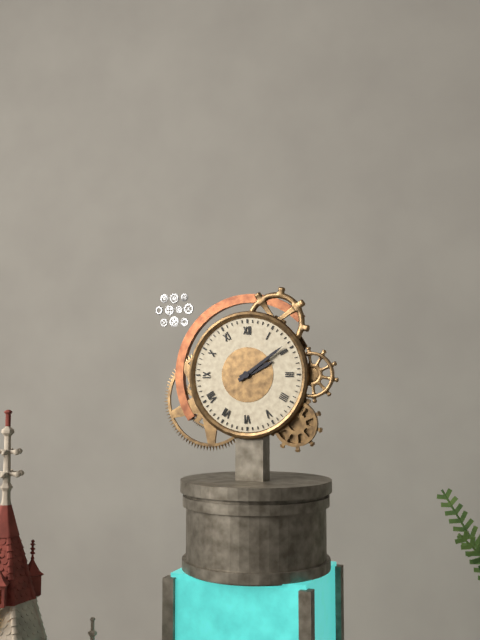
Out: {"hour": 2, "minute": 9}
